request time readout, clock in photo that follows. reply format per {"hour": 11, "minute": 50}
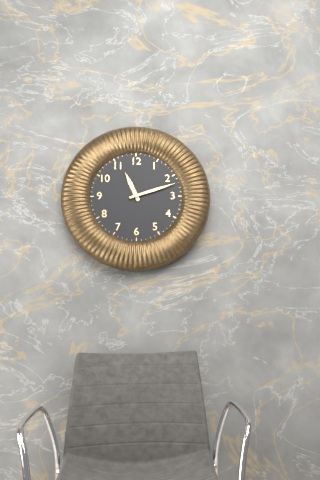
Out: {"hour": 11, "minute": 12}
